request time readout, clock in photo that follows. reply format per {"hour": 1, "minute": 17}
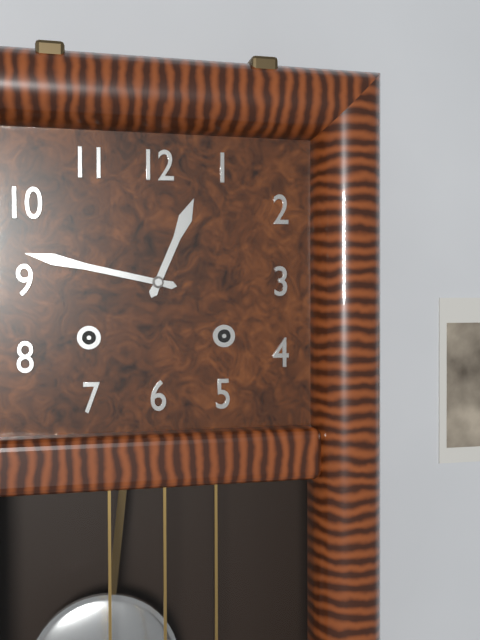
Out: {"hour": 12, "minute": 47}
